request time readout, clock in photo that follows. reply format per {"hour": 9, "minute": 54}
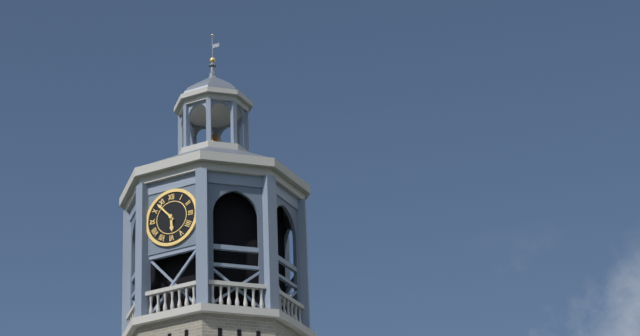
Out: {"hour": 5, "minute": 53}
